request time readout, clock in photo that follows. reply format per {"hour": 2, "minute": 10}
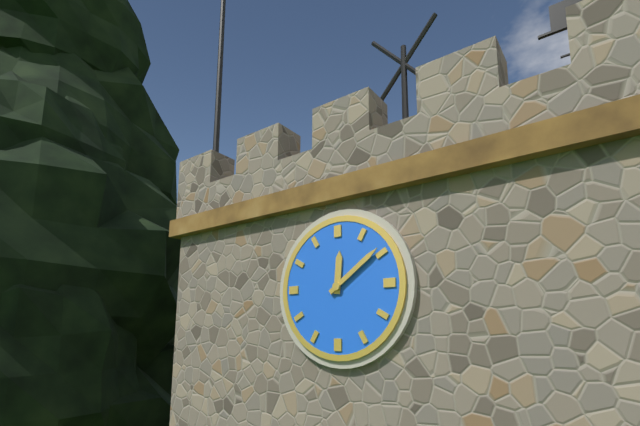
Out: {"hour": 12, "minute": 9}
